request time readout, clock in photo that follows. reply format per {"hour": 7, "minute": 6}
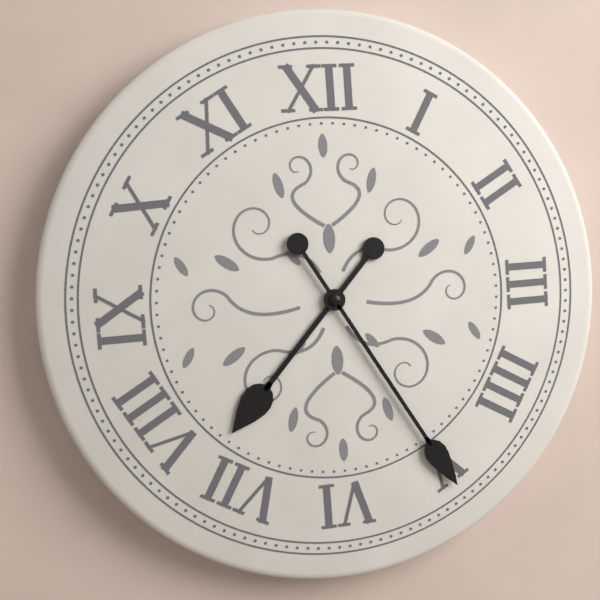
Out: {"hour": 7, "minute": 25}
